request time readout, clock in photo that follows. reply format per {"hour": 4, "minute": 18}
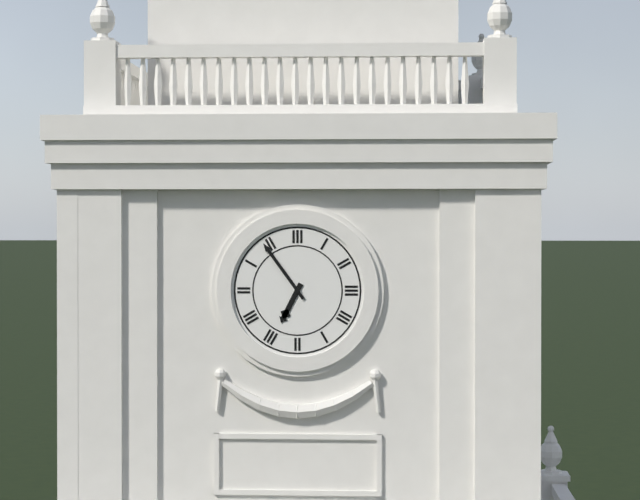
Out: {"hour": 6, "minute": 54}
